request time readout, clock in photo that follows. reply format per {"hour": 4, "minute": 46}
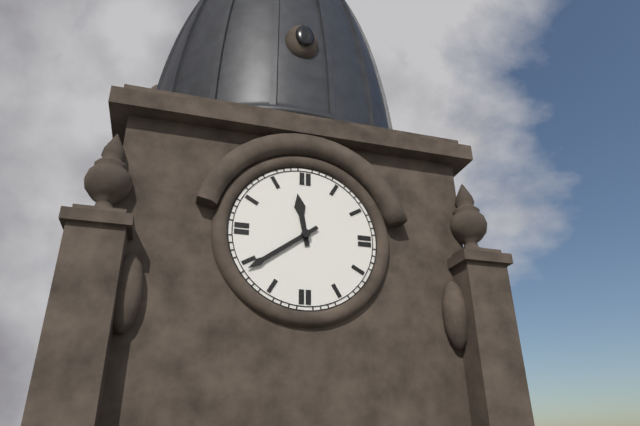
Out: {"hour": 11, "minute": 39}
